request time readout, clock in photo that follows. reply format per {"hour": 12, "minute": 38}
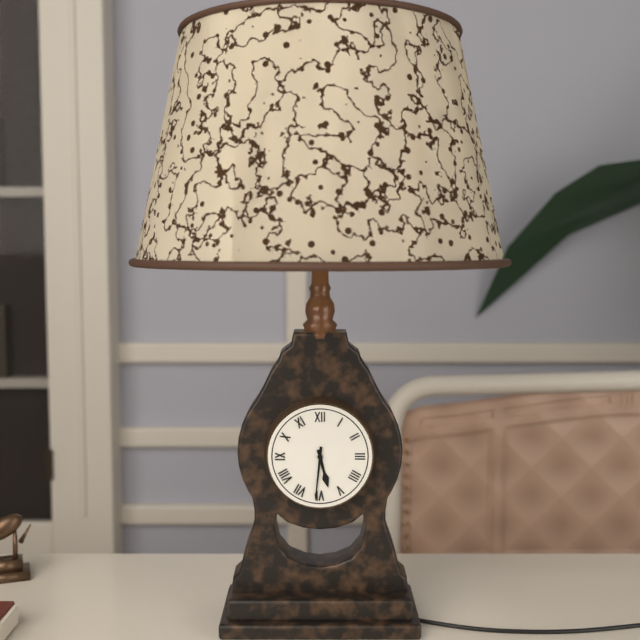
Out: {"hour": 5, "minute": 31}
